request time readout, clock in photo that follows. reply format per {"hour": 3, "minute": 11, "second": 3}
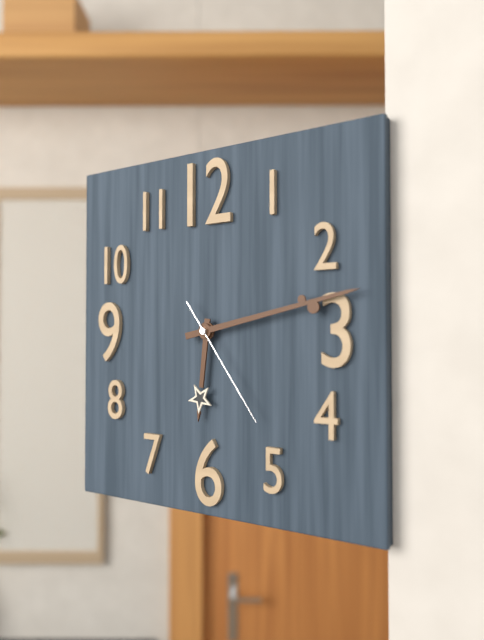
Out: {"hour": 6, "minute": 13, "second": 24}
